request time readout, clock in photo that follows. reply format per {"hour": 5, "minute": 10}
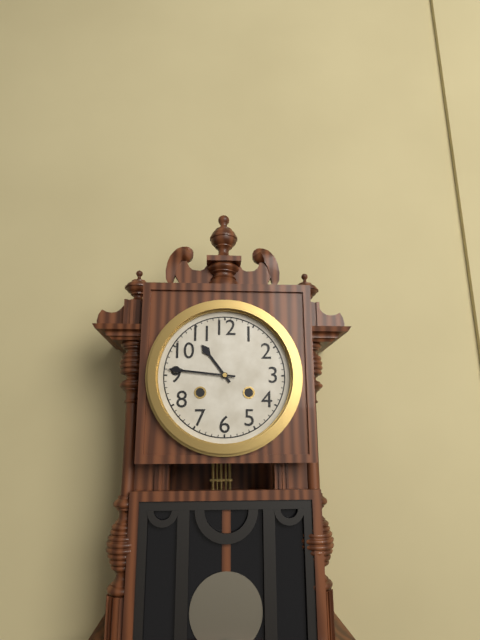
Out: {"hour": 10, "minute": 46}
